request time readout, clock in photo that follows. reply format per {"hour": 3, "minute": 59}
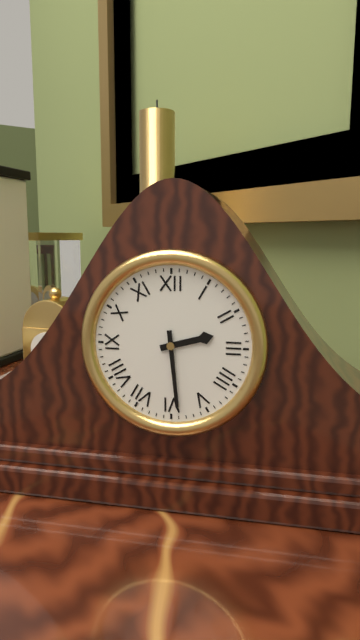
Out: {"hour": 2, "minute": 29}
